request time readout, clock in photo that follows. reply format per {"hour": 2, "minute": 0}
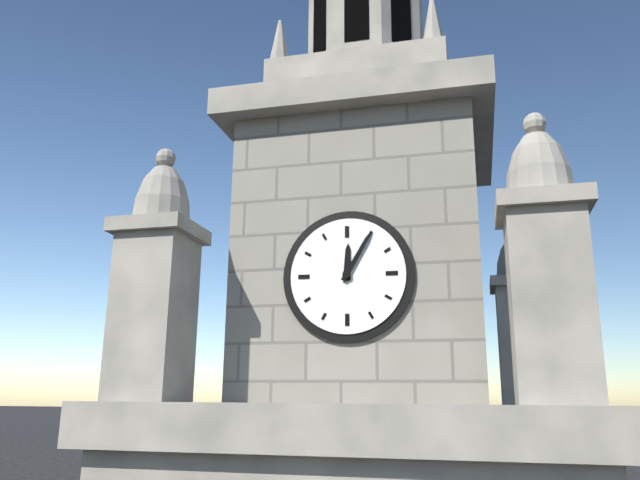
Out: {"hour": 12, "minute": 5}
